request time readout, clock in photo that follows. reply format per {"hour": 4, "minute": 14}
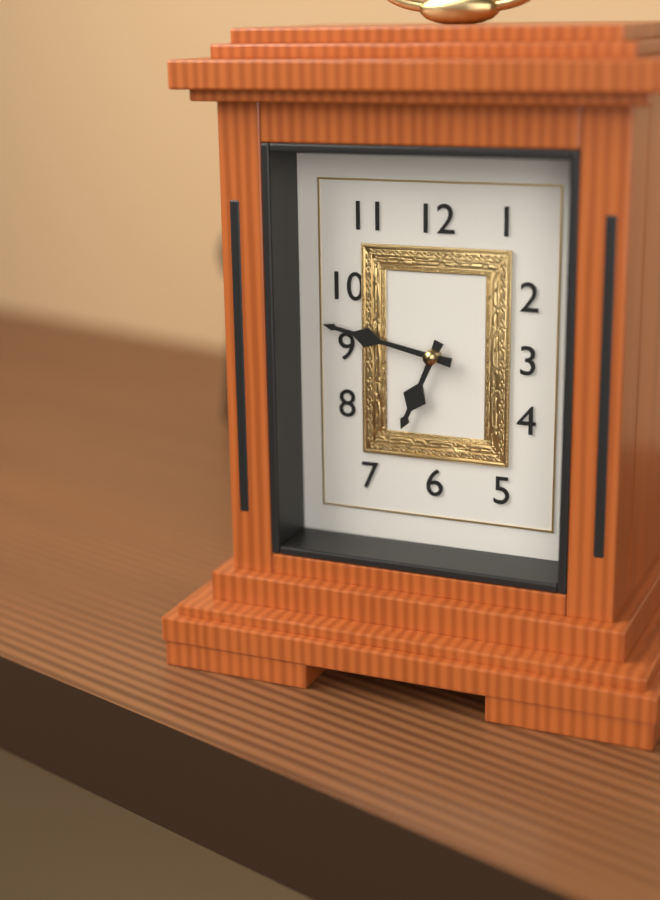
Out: {"hour": 6, "minute": 47}
